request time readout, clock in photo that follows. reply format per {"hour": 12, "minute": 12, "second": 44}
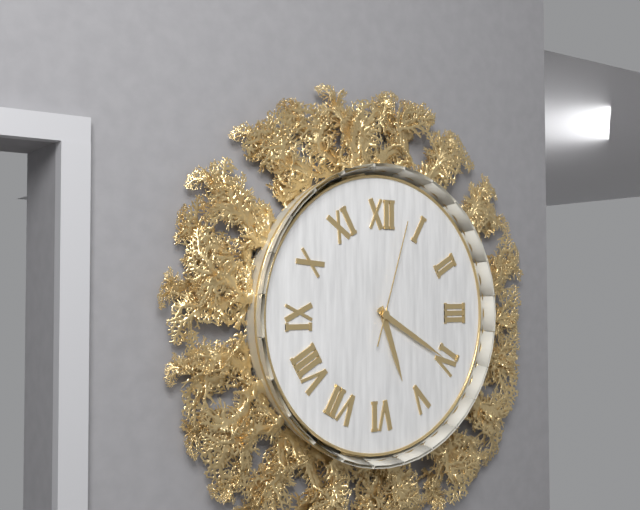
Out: {"hour": 5, "minute": 20, "second": 3}
